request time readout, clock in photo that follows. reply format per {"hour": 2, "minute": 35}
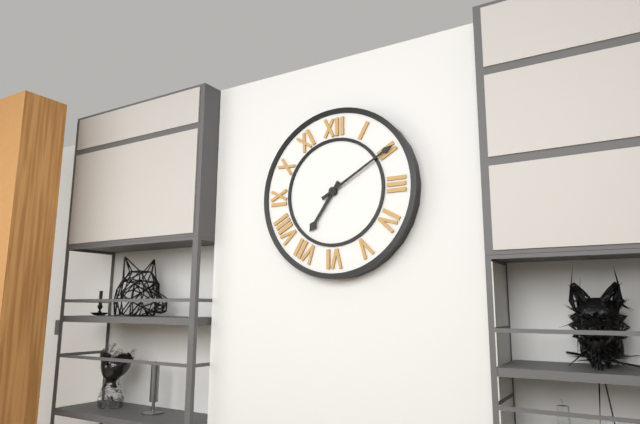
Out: {"hour": 7, "minute": 10}
